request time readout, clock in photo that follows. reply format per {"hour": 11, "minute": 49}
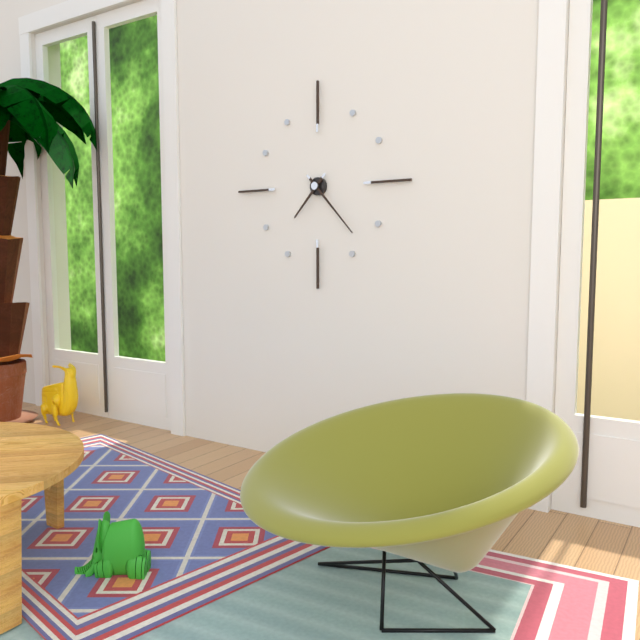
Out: {"hour": 7, "minute": 23}
